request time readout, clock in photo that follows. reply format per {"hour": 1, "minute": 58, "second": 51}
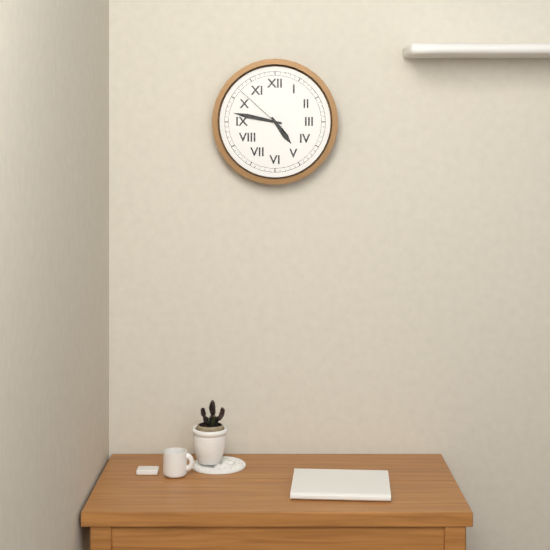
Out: {"hour": 4, "minute": 47, "second": 52}
